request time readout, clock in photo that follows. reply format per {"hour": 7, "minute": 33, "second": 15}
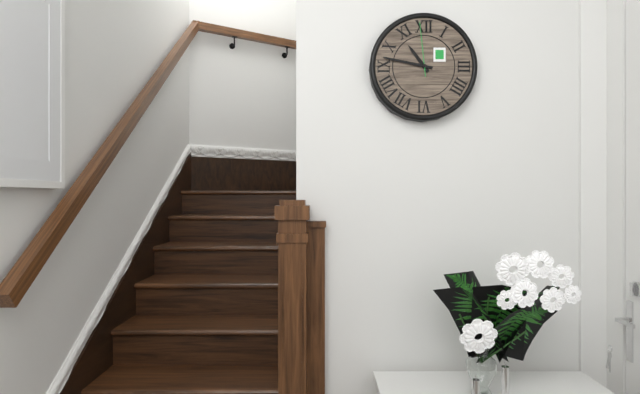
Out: {"hour": 10, "minute": 47, "second": 59}
